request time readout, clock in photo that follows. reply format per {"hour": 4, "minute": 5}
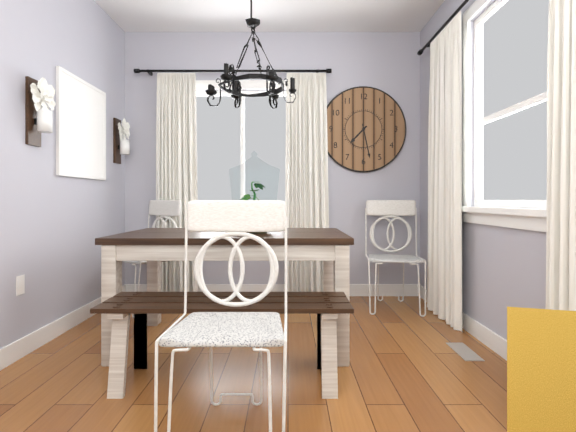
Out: {"hour": 7, "minute": 28}
